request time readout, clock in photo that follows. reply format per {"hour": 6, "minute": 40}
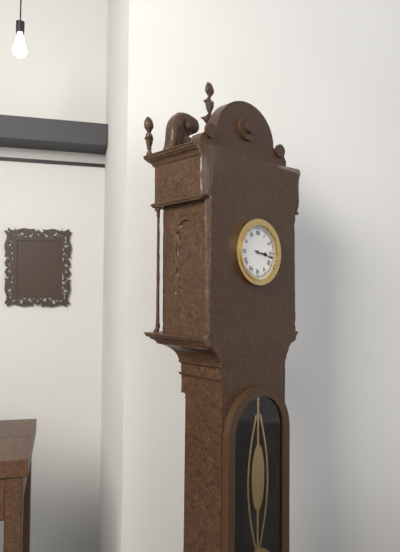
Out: {"hour": 3, "minute": 17}
